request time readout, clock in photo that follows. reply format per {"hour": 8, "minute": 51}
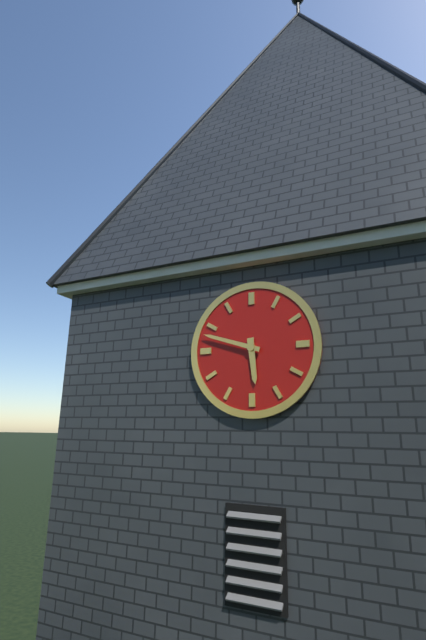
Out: {"hour": 5, "minute": 48}
